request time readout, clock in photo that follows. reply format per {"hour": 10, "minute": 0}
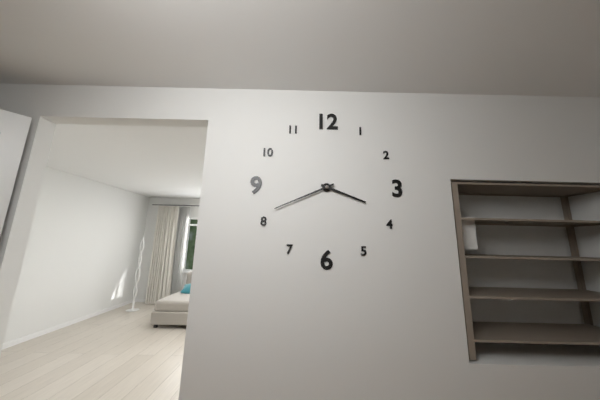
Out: {"hour": 3, "minute": 41}
